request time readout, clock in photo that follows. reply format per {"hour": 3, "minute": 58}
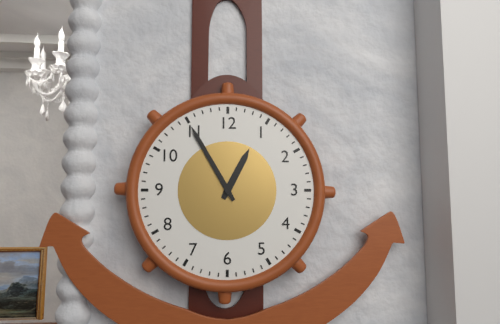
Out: {"hour": 12, "minute": 55}
